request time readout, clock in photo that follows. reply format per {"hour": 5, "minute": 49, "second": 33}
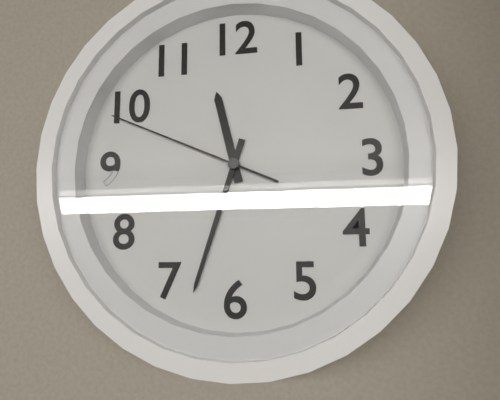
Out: {"hour": 11, "minute": 33, "second": 49}
